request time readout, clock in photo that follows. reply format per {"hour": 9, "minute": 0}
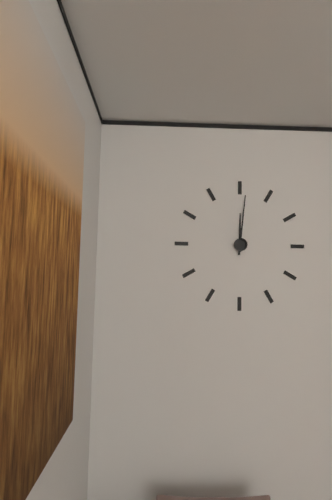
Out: {"hour": 12, "minute": 1}
